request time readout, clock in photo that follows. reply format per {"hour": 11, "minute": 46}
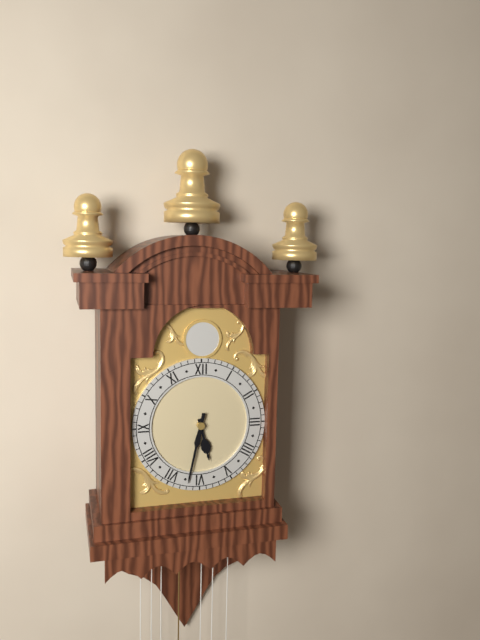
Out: {"hour": 5, "minute": 32}
